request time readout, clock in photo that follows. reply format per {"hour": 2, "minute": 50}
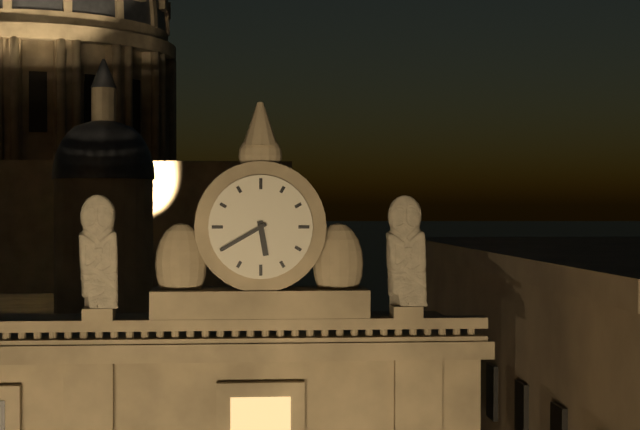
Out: {"hour": 5, "minute": 40}
